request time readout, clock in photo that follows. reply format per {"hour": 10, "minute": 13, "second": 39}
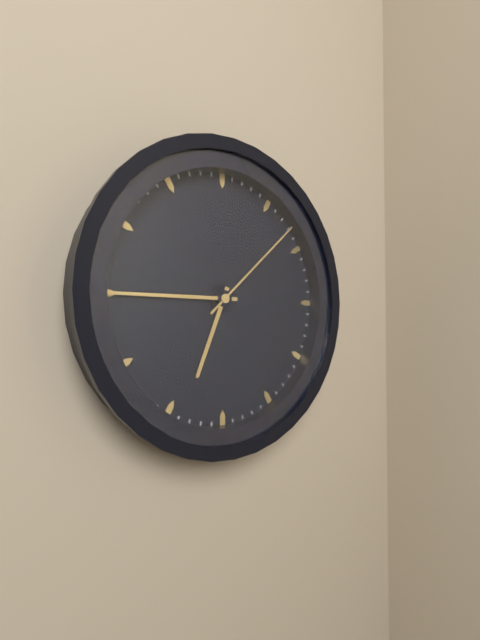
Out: {"hour": 6, "minute": 45, "second": 8}
